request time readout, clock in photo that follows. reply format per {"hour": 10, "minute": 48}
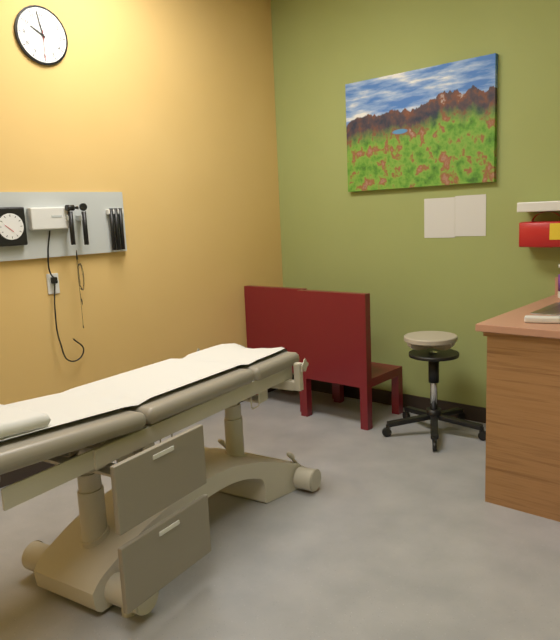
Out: {"hour": 9, "minute": 58}
